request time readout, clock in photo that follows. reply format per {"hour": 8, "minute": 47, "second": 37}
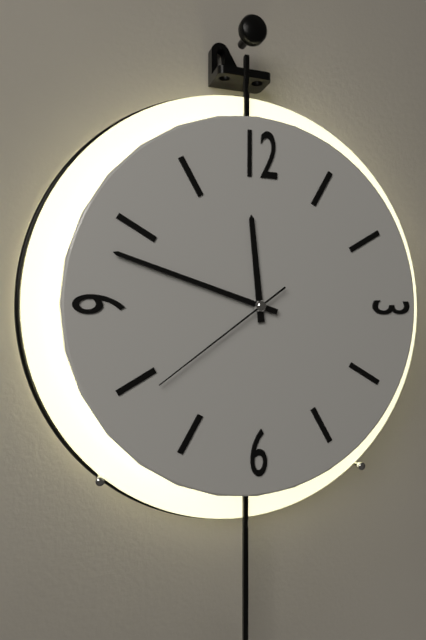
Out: {"hour": 11, "minute": 48, "second": 39}
